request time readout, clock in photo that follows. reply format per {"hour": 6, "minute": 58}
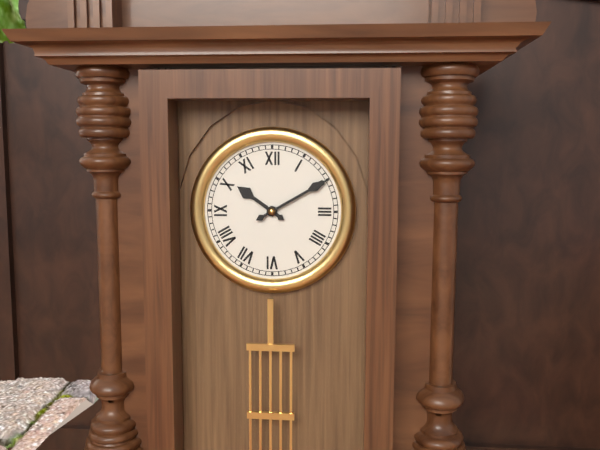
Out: {"hour": 10, "minute": 10}
